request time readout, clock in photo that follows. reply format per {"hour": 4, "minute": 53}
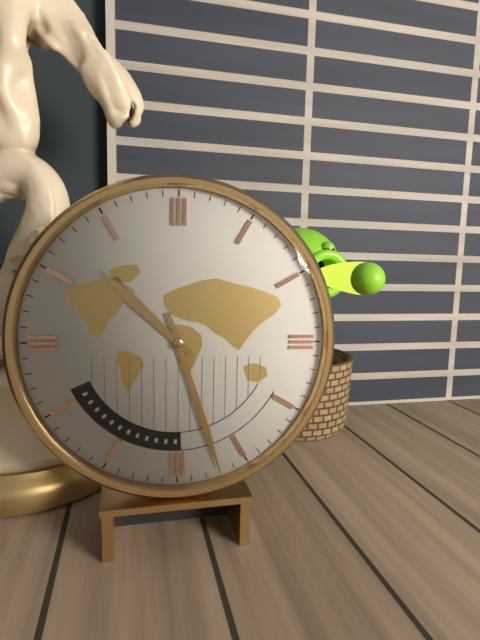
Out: {"hour": 10, "minute": 27}
